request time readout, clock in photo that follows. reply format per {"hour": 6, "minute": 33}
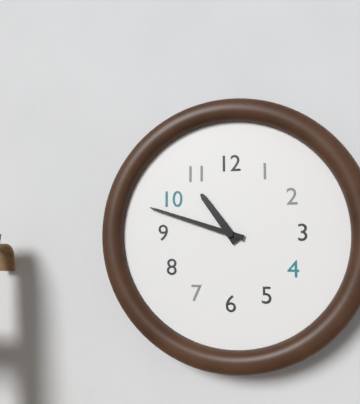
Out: {"hour": 10, "minute": 48}
